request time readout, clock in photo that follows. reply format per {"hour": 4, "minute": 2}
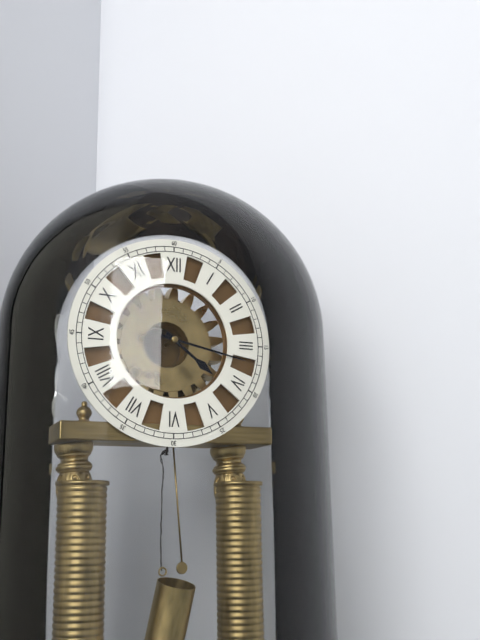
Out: {"hour": 4, "minute": 17}
